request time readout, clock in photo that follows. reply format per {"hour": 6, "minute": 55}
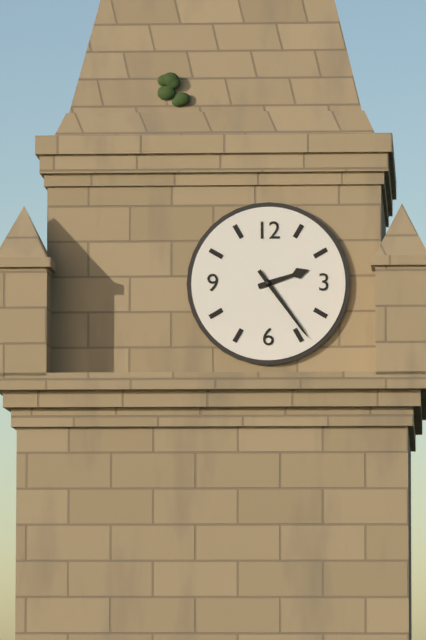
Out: {"hour": 2, "minute": 24}
